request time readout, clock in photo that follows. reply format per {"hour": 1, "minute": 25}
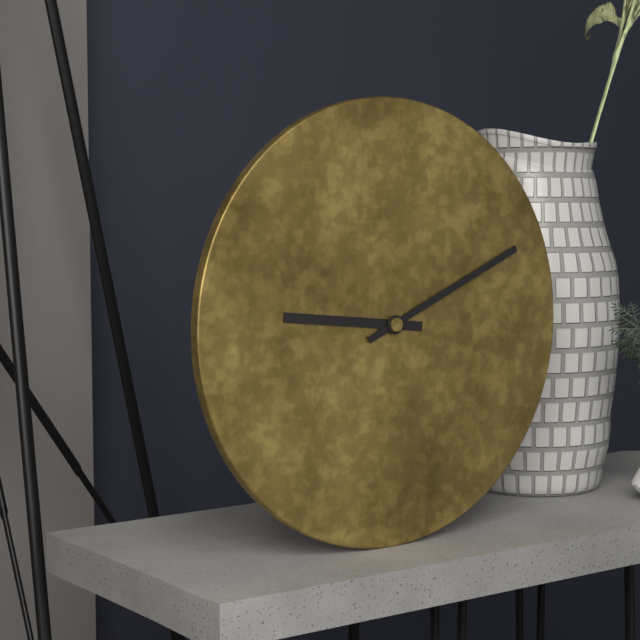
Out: {"hour": 9, "minute": 11}
